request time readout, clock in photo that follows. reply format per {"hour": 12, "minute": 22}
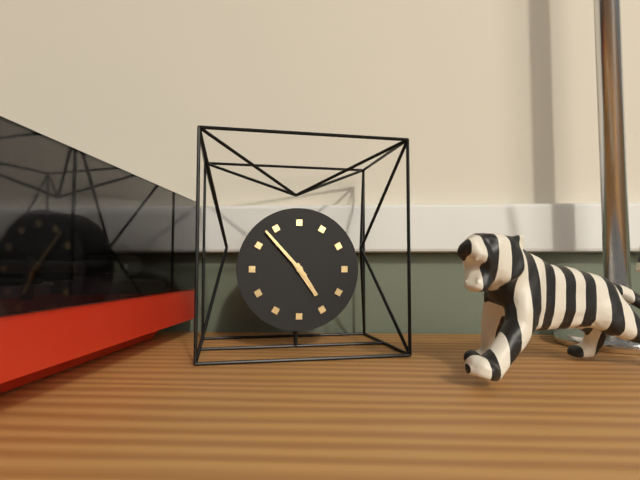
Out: {"hour": 4, "minute": 53}
